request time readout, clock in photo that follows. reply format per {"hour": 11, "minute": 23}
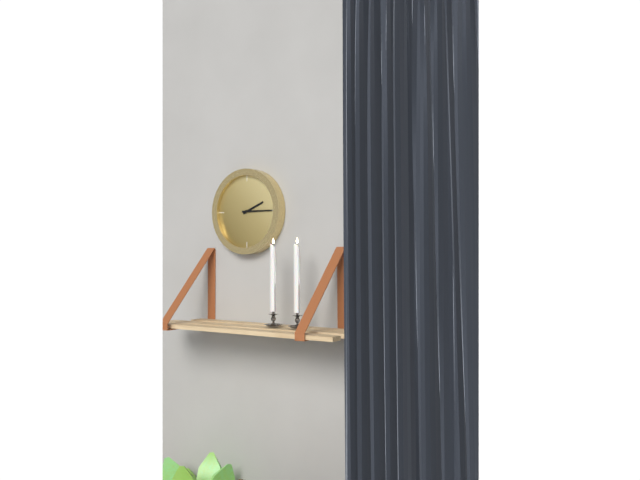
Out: {"hour": 2, "minute": 15}
